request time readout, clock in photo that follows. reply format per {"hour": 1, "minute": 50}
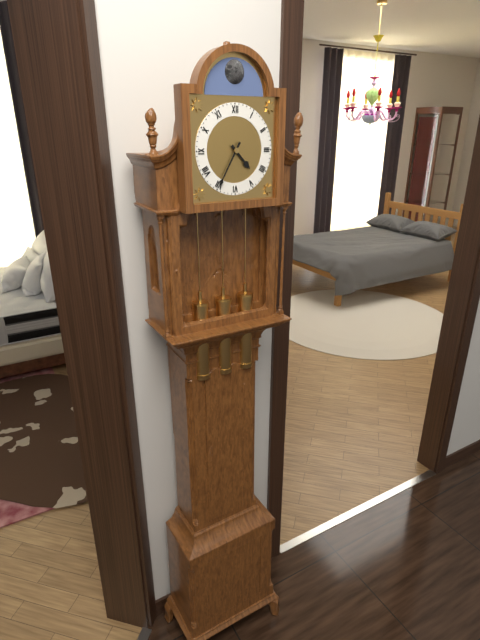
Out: {"hour": 4, "minute": 35}
